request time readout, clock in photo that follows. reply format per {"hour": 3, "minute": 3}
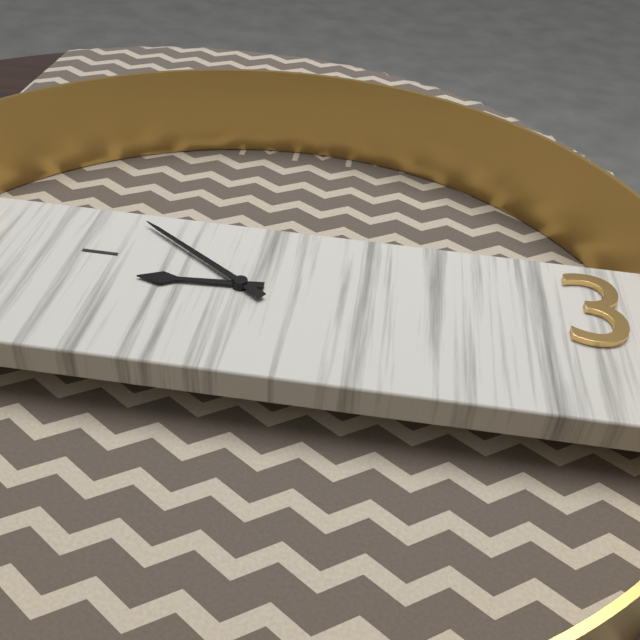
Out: {"hour": 8, "minute": 51}
